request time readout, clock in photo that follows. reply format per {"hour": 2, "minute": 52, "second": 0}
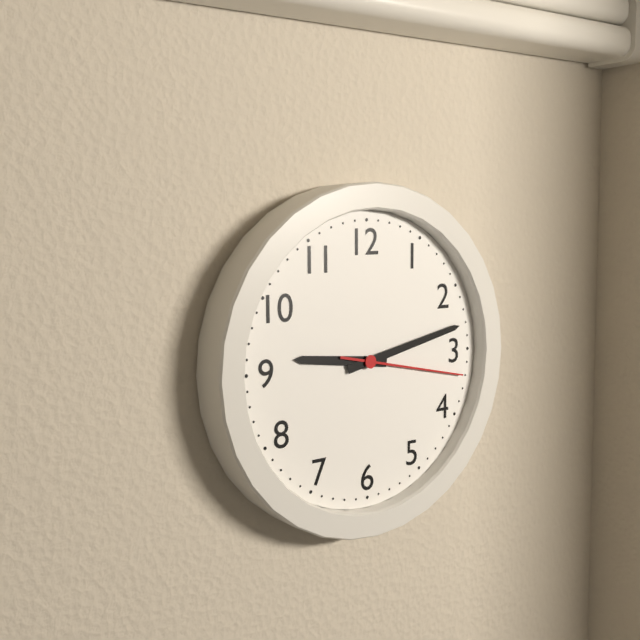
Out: {"hour": 9, "minute": 13, "second": 17}
